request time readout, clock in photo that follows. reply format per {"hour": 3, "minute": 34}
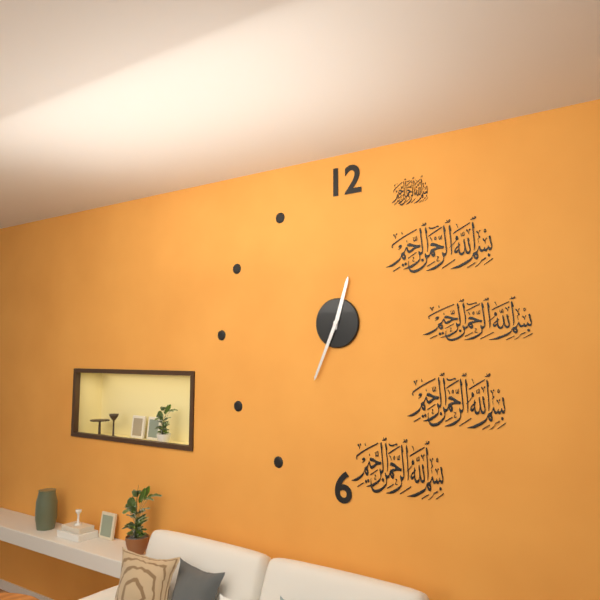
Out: {"hour": 12, "minute": 34}
